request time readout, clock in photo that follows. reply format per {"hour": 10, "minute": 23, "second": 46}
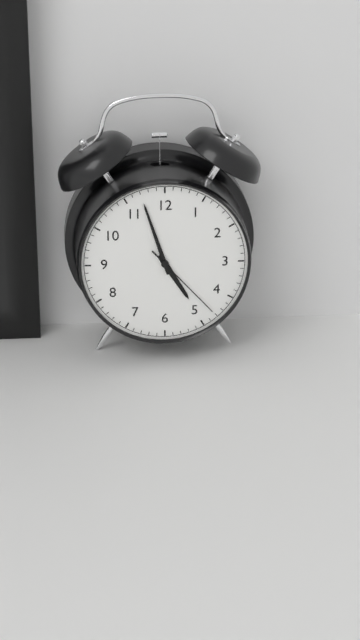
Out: {"hour": 4, "minute": 57, "second": 23}
